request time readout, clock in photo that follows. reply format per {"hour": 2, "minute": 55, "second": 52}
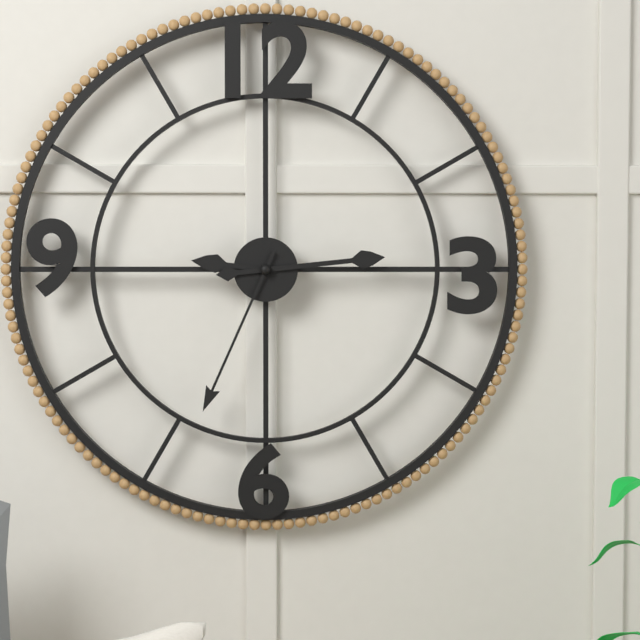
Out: {"hour": 9, "minute": 14, "second": 34}
